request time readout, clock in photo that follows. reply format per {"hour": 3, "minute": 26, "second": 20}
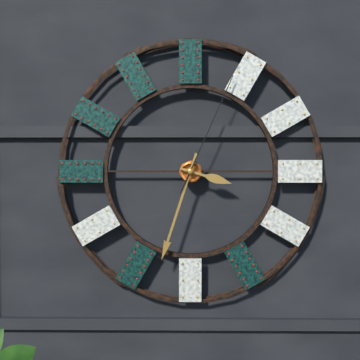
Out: {"hour": 3, "minute": 33, "second": 4}
